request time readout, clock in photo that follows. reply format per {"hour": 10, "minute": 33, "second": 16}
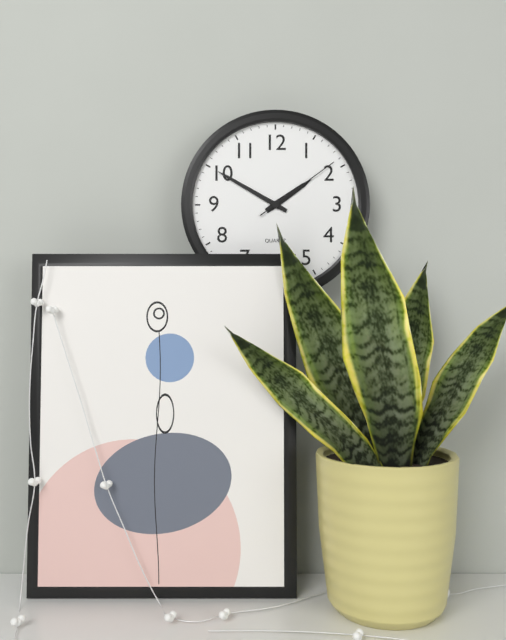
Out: {"hour": 1, "minute": 50, "second": 9}
